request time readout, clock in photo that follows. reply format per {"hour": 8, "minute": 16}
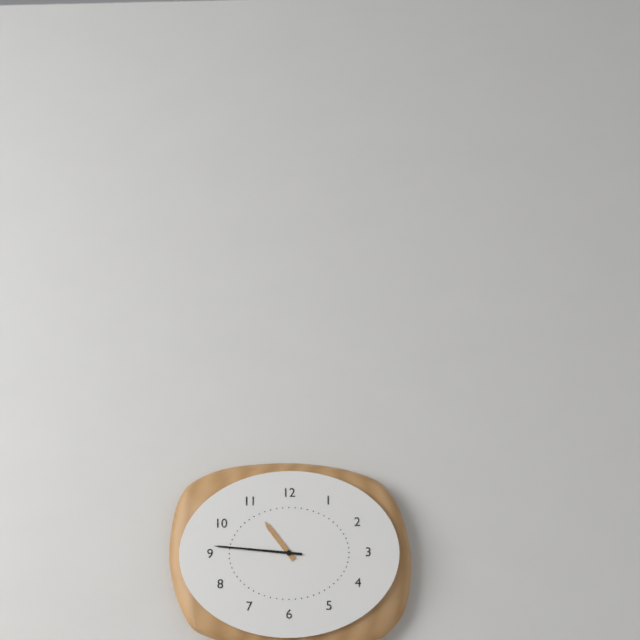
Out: {"hour": 10, "minute": 46}
